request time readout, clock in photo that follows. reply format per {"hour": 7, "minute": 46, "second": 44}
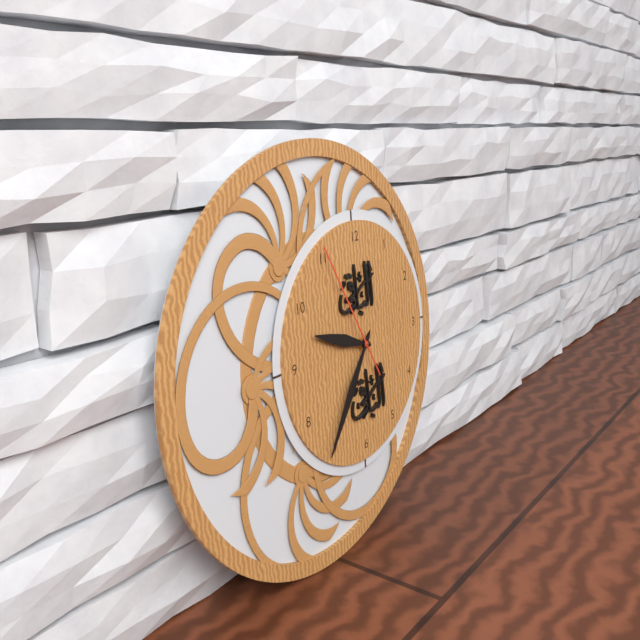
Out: {"hour": 9, "minute": 36, "second": 55}
